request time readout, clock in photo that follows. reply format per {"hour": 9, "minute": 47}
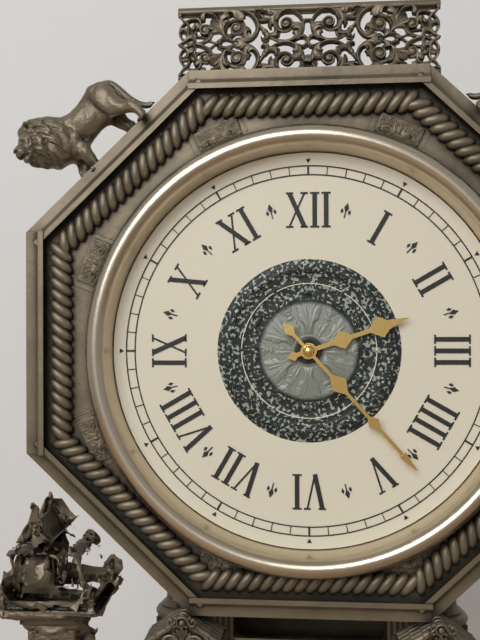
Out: {"hour": 2, "minute": 23}
